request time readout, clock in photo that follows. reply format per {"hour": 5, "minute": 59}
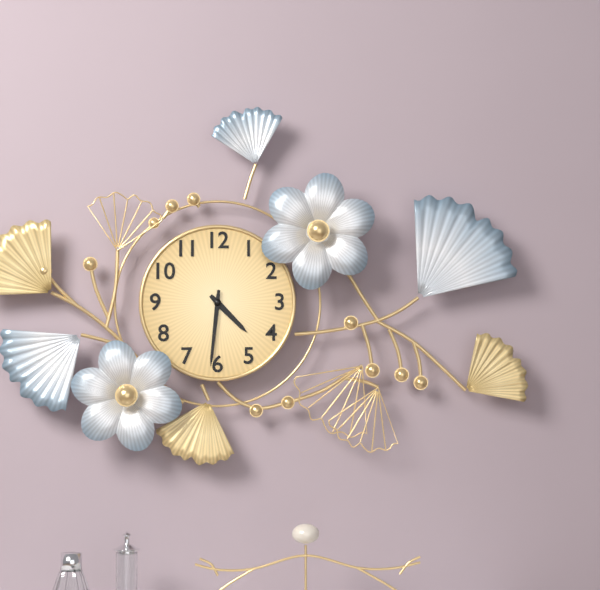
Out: {"hour": 4, "minute": 31}
